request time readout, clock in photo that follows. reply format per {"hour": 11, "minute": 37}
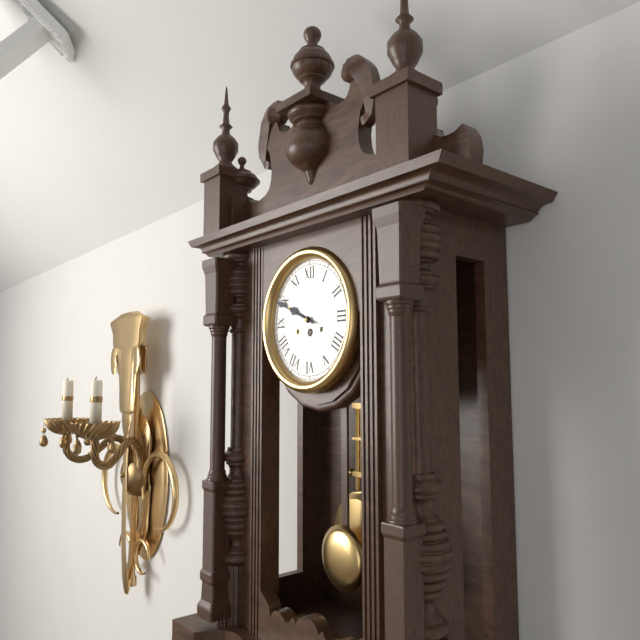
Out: {"hour": 9, "minute": 49}
